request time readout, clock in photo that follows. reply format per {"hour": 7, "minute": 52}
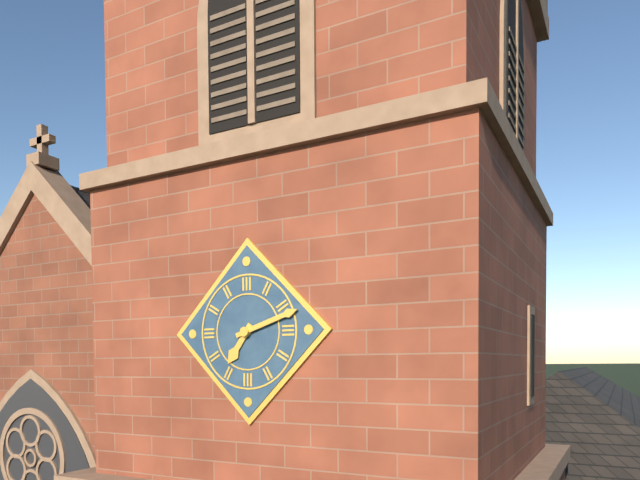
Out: {"hour": 7, "minute": 12}
